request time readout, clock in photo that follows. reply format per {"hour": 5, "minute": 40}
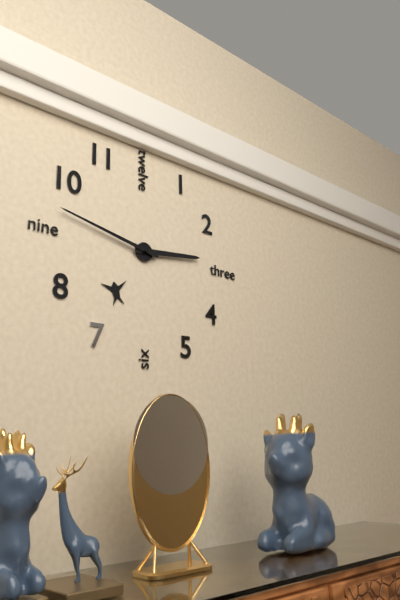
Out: {"hour": 2, "minute": 47}
